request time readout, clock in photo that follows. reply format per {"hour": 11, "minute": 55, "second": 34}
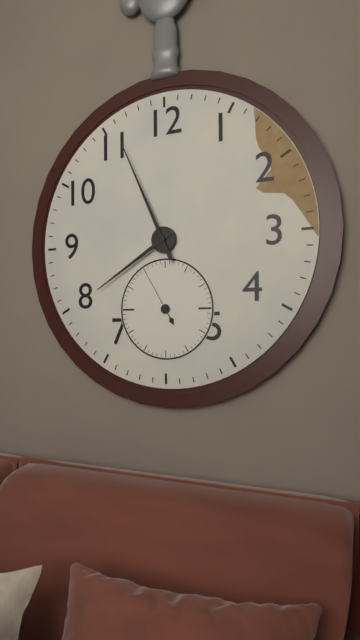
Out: {"hour": 7, "minute": 56, "second": 55}
